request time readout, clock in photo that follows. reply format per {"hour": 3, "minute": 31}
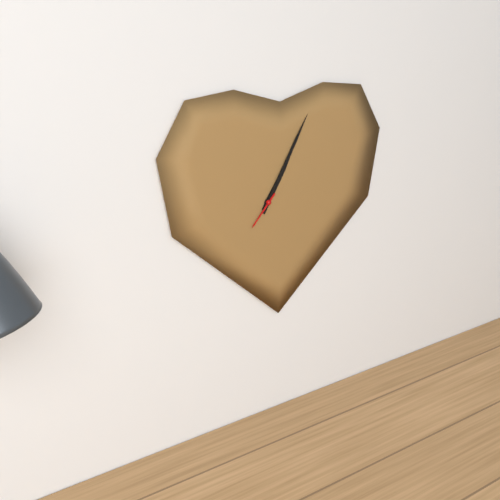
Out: {"hour": 1, "minute": 5}
